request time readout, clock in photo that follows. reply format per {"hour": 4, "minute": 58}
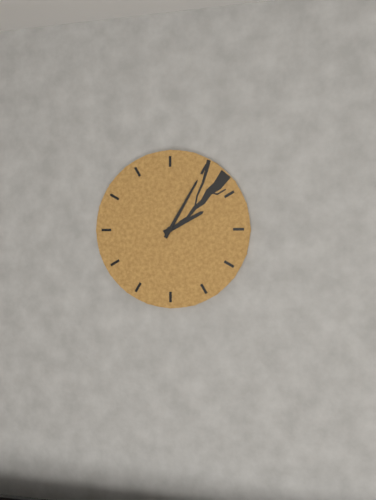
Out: {"hour": 2, "minute": 5}
